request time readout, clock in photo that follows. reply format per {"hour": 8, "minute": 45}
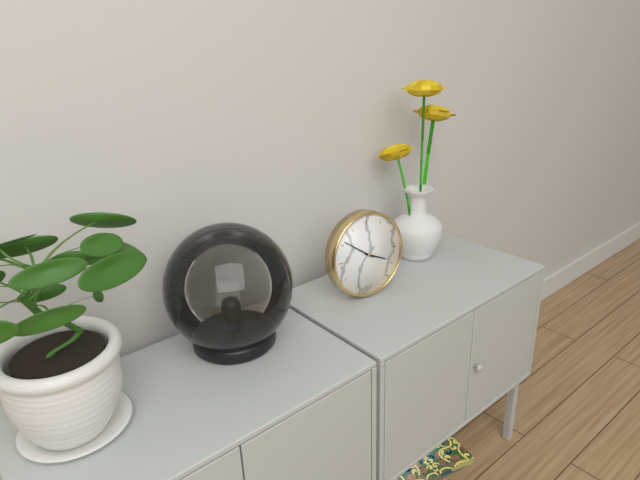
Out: {"hour": 3, "minute": 51}
